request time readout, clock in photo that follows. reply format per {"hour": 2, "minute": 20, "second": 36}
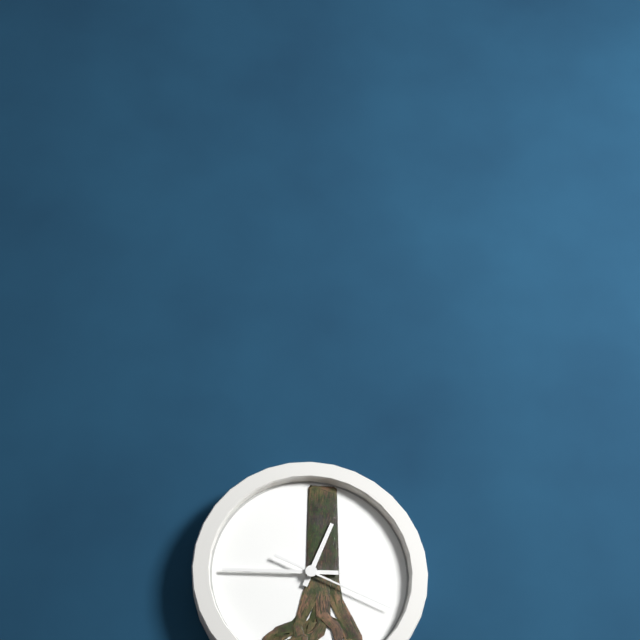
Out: {"hour": 12, "minute": 45, "second": 19}
